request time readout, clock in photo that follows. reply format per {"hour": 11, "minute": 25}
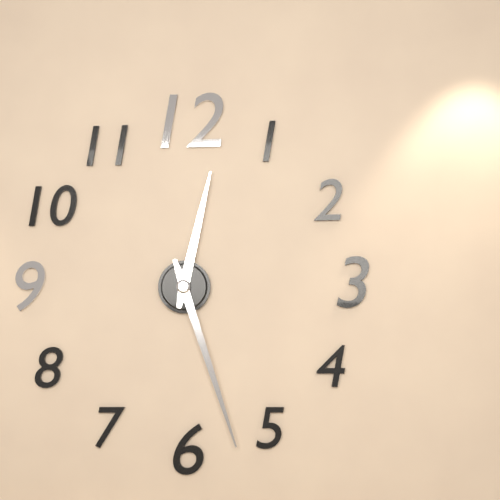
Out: {"hour": 12, "minute": 27}
